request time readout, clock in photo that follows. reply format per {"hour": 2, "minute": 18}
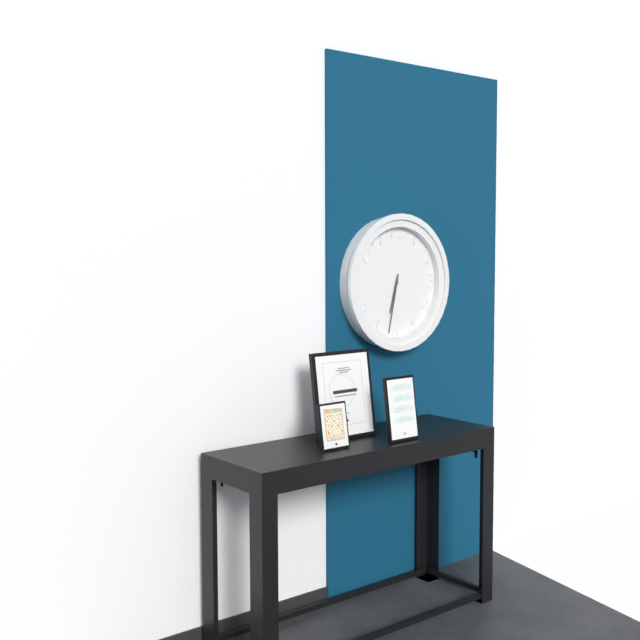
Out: {"hour": 6, "minute": 32}
